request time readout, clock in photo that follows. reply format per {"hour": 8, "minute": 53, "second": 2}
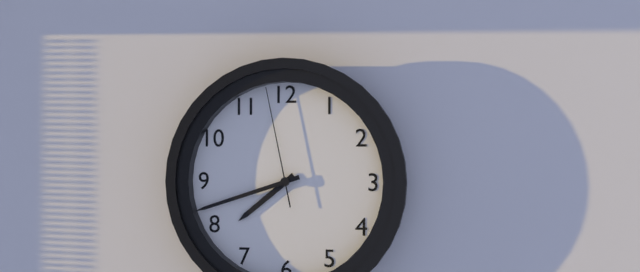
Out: {"hour": 7, "minute": 42, "second": 58}
